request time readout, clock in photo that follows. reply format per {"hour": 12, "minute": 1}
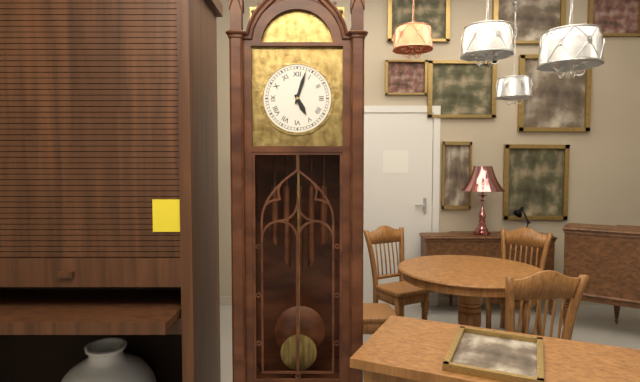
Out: {"hour": 5, "minute": 3}
